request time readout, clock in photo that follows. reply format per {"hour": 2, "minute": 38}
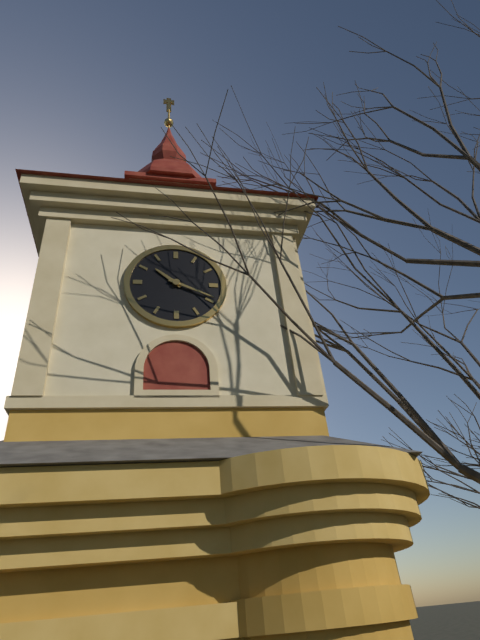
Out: {"hour": 10, "minute": 19}
